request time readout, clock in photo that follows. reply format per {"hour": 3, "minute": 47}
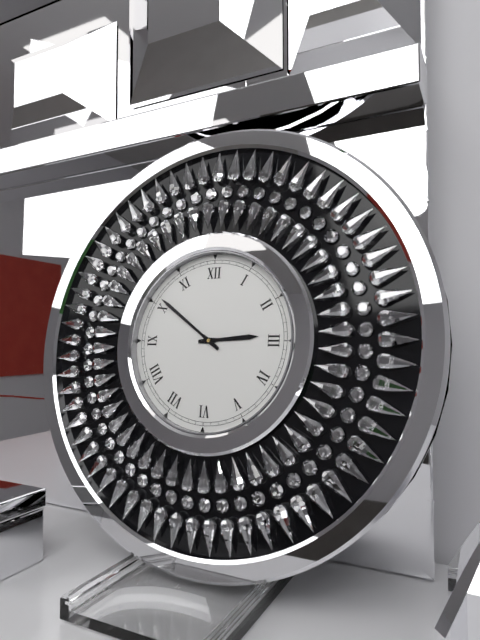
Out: {"hour": 2, "minute": 51}
